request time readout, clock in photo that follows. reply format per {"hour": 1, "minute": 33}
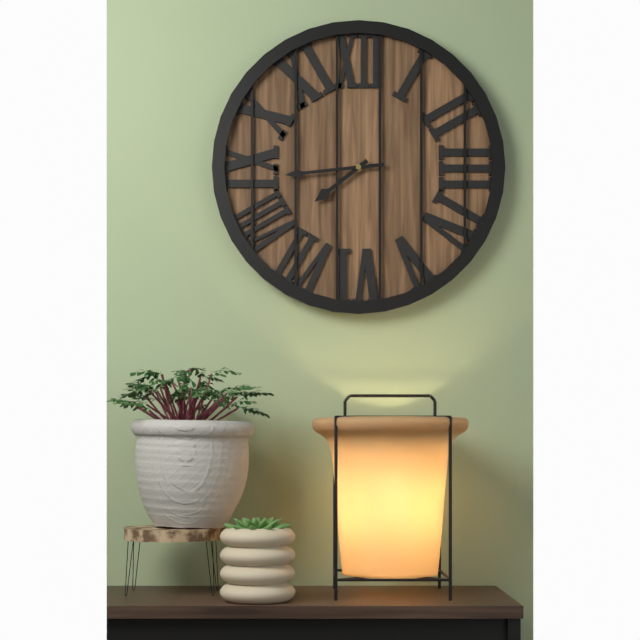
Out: {"hour": 7, "minute": 44}
